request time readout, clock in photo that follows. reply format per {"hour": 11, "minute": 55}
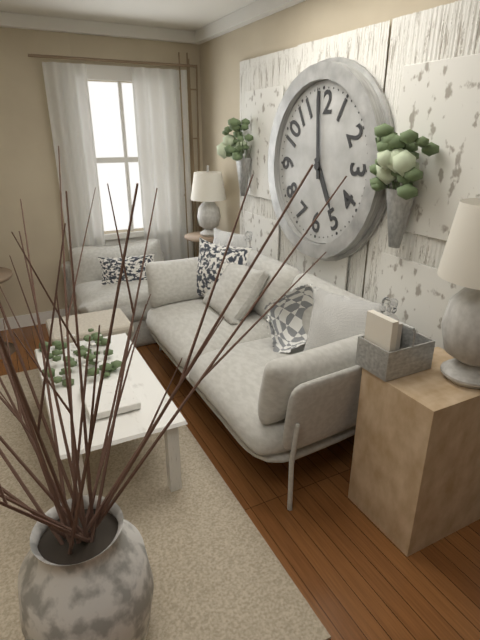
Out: {"hour": 4, "minute": 59}
